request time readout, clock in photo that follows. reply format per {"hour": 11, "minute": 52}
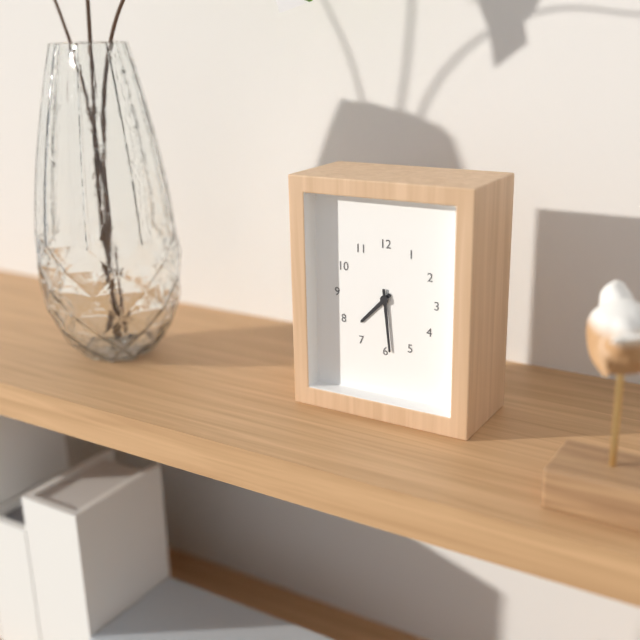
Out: {"hour": 7, "minute": 29}
